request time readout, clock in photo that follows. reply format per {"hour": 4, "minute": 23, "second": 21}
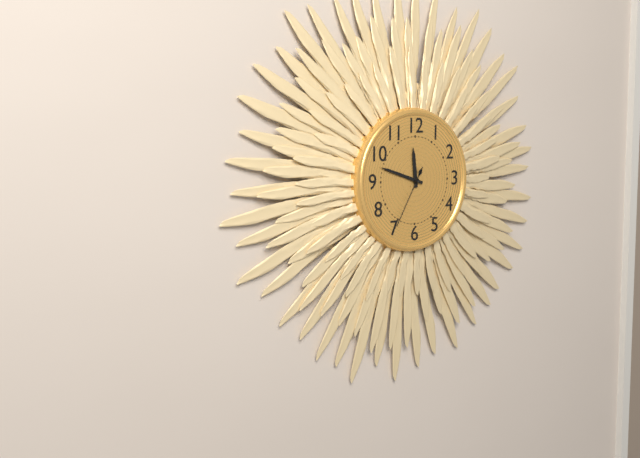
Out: {"hour": 11, "minute": 48, "second": 35}
